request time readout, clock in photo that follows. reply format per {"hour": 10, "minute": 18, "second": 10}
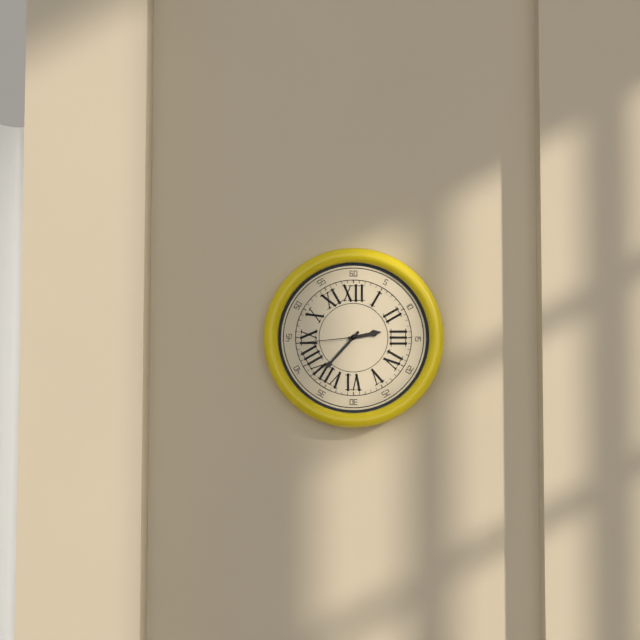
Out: {"hour": 2, "minute": 37, "second": 44}
